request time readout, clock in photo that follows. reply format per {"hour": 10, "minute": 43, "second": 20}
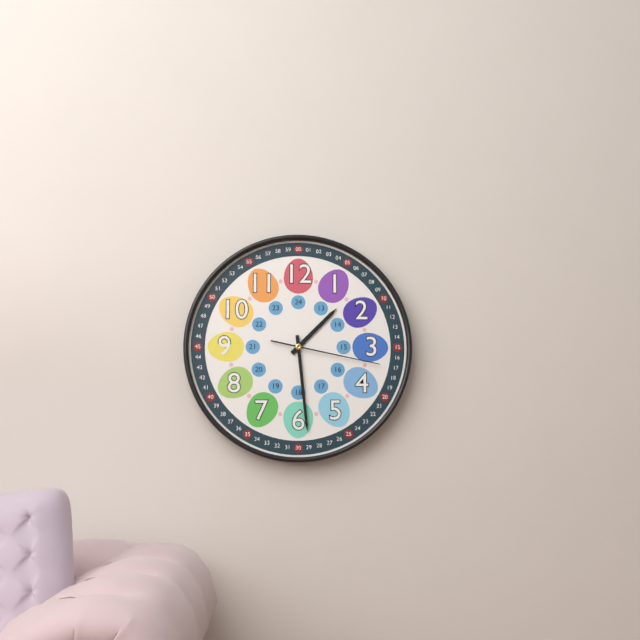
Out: {"hour": 1, "minute": 29, "second": 17}
